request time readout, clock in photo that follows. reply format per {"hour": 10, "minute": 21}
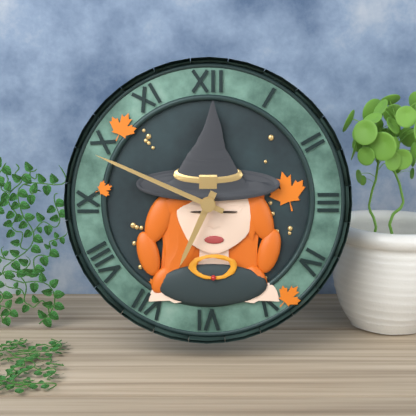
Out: {"hour": 6, "minute": 49}
